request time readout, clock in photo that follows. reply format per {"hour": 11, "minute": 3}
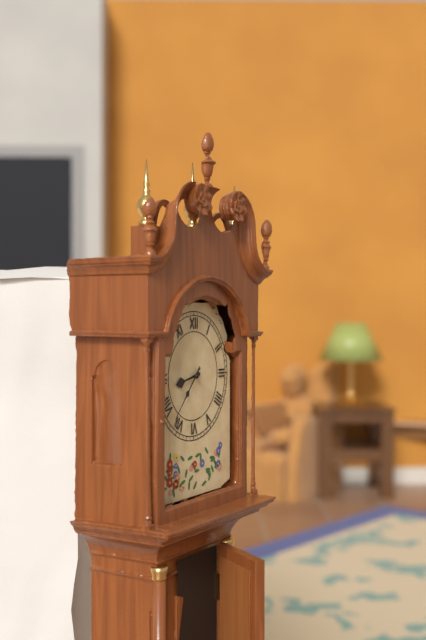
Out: {"hour": 8, "minute": 37}
